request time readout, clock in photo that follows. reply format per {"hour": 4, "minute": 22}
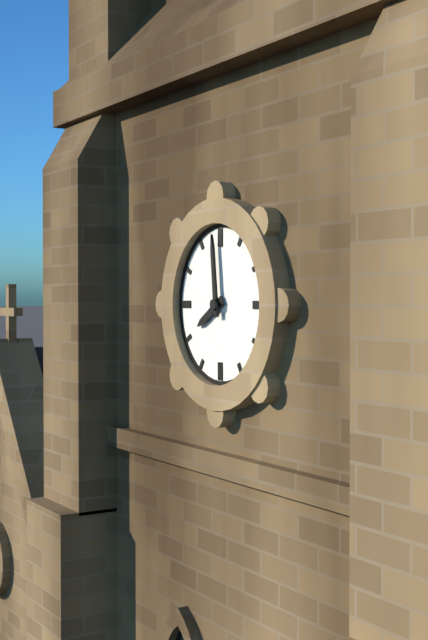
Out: {"hour": 7, "minute": 59}
